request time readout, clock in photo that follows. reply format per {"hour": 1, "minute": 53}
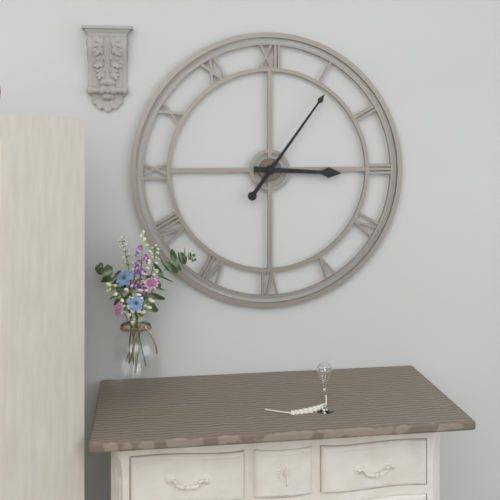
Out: {"hour": 3, "minute": 6}
